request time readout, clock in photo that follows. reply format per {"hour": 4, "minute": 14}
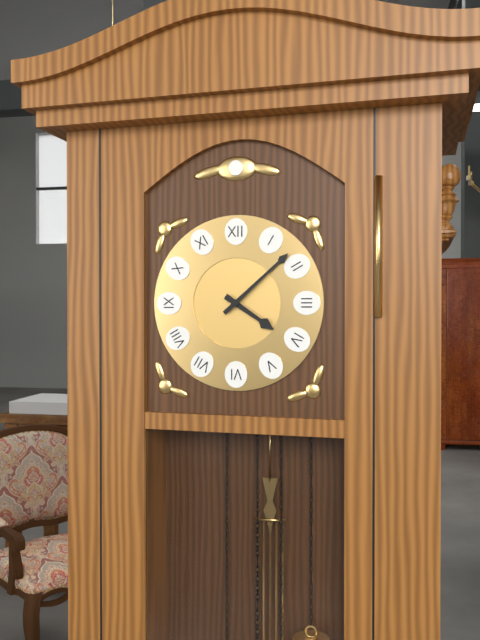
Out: {"hour": 4, "minute": 8}
